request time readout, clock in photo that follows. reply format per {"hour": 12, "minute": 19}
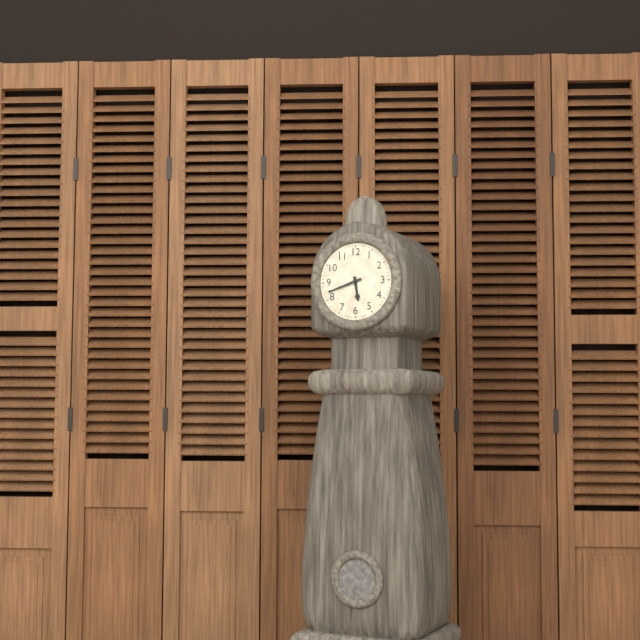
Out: {"hour": 5, "minute": 42}
